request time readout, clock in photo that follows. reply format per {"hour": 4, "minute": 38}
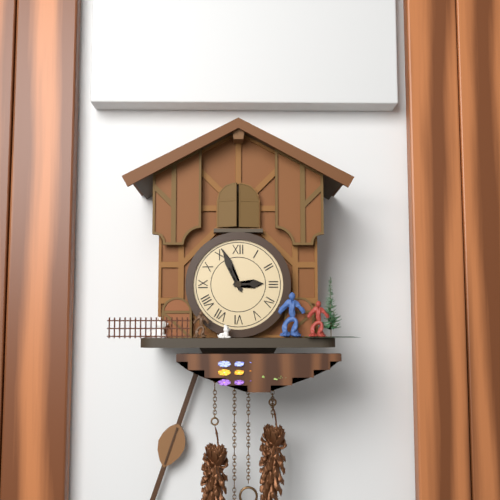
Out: {"hour": 2, "minute": 56}
